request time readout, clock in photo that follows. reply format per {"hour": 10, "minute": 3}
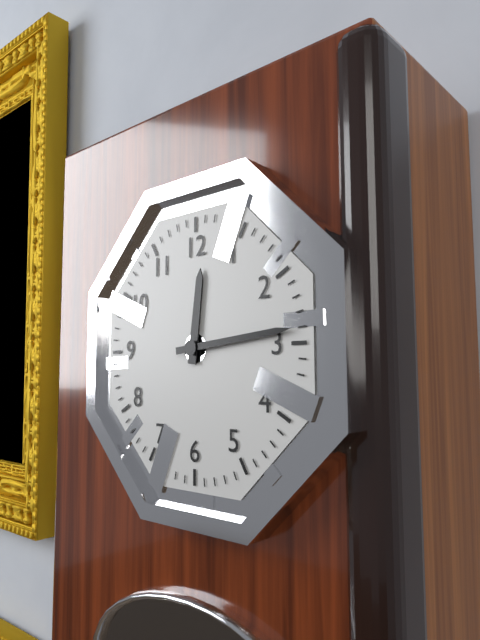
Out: {"hour": 12, "minute": 14}
